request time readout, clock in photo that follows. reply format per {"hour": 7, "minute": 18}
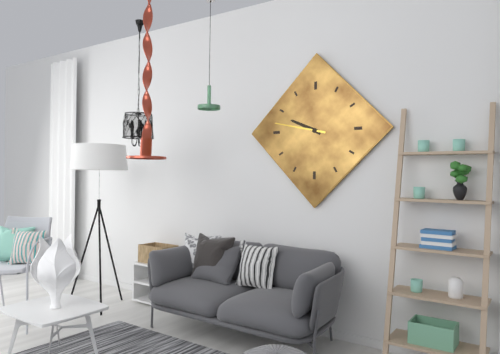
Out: {"hour": 9, "minute": 47}
